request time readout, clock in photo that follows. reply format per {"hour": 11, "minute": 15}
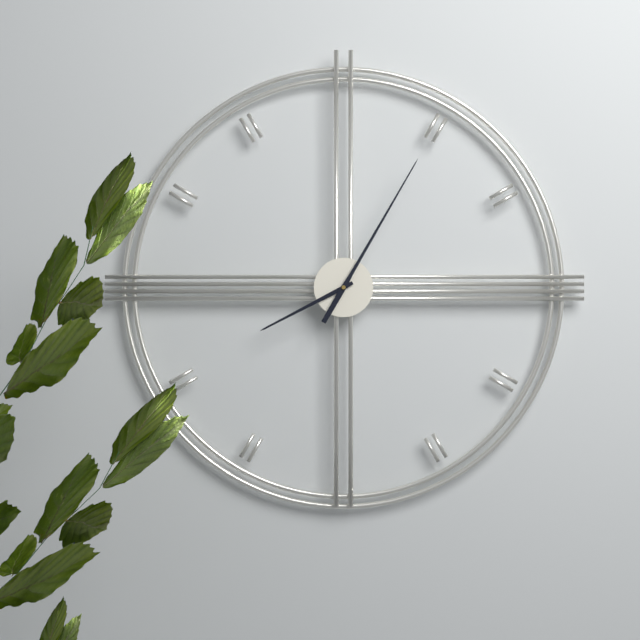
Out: {"hour": 8, "minute": 5}
